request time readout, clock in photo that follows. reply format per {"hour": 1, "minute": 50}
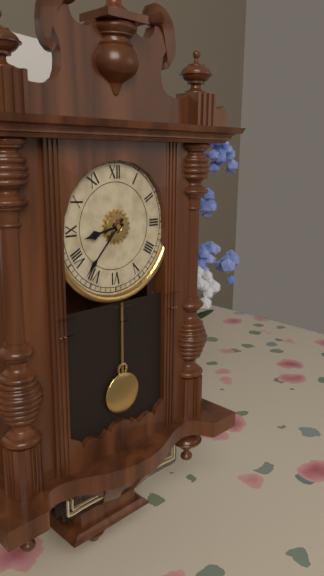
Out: {"hour": 8, "minute": 37}
